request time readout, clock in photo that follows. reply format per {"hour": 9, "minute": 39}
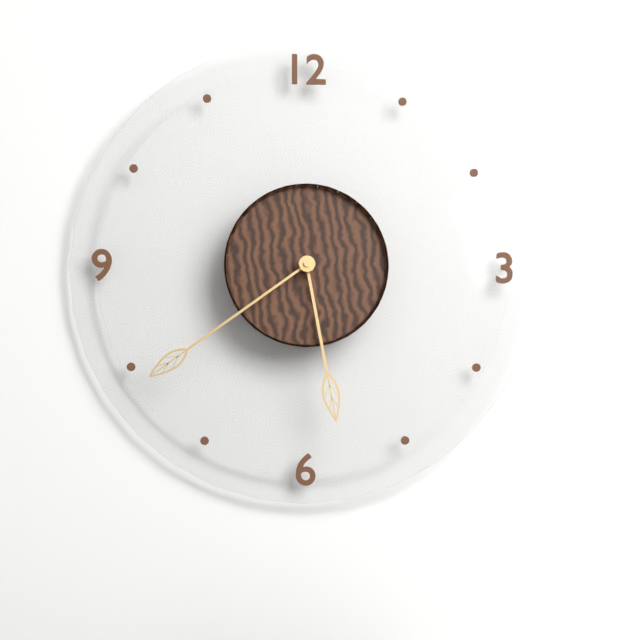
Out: {"hour": 5, "minute": 39}
